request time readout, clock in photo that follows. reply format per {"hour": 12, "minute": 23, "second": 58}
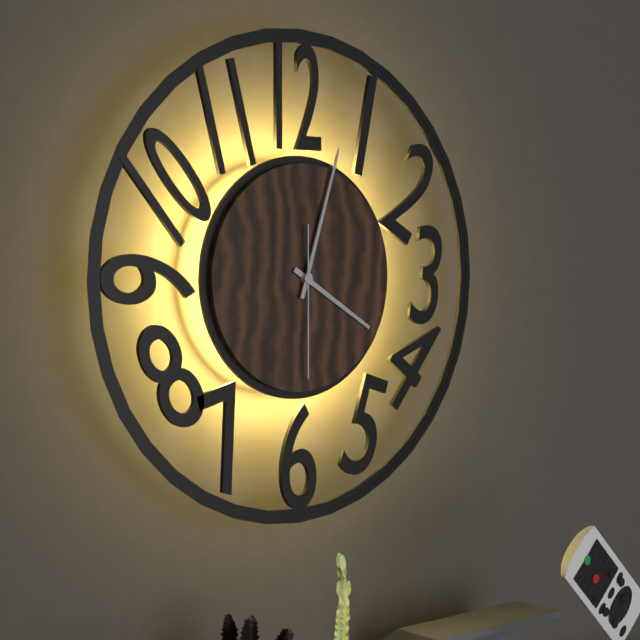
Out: {"hour": 4, "minute": 3, "second": 30}
